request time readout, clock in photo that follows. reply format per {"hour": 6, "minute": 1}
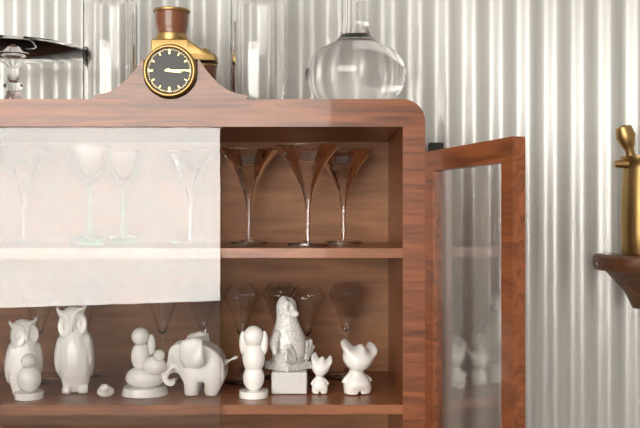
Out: {"hour": 3, "minute": 15}
